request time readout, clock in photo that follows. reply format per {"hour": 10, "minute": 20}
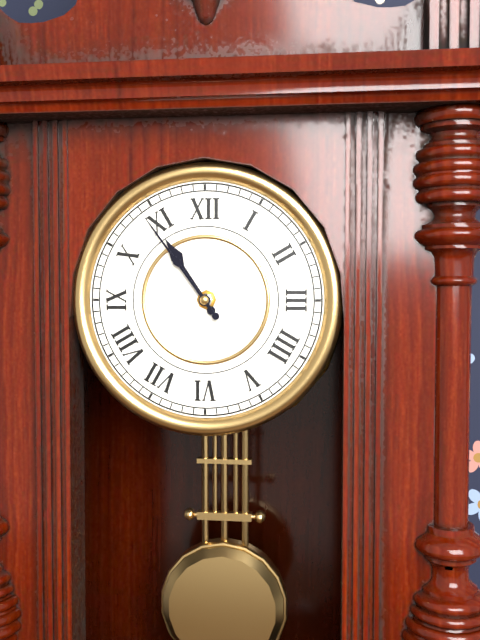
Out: {"hour": 10, "minute": 54}
